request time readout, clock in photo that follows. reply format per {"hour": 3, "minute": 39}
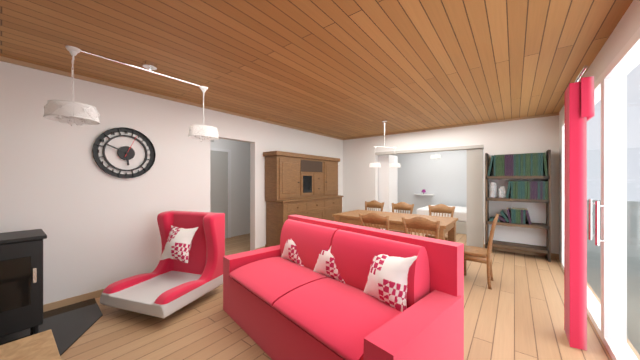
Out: {"hour": 5, "minute": 49}
